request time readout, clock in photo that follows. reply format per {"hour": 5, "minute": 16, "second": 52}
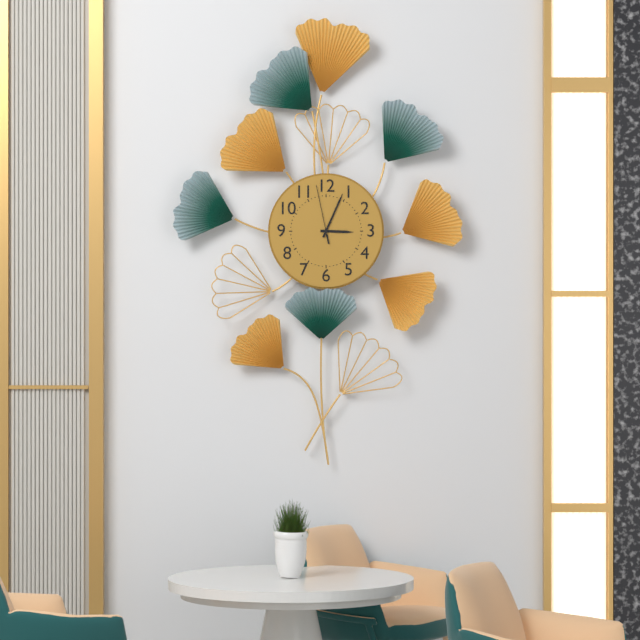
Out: {"hour": 3, "minute": 4, "second": 58}
